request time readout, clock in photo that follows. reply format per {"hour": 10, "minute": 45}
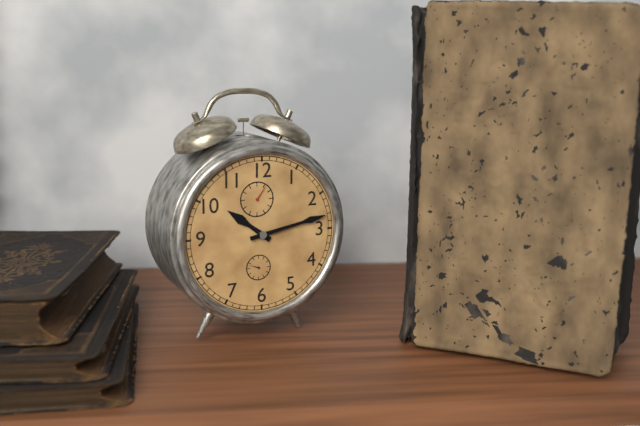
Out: {"hour": 10, "minute": 13}
